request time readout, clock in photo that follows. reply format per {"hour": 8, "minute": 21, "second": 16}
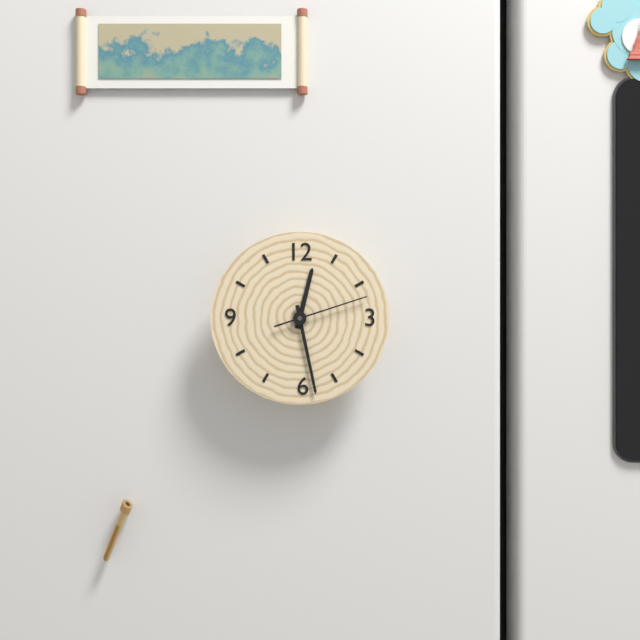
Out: {"hour": 12, "minute": 28, "second": 12}
